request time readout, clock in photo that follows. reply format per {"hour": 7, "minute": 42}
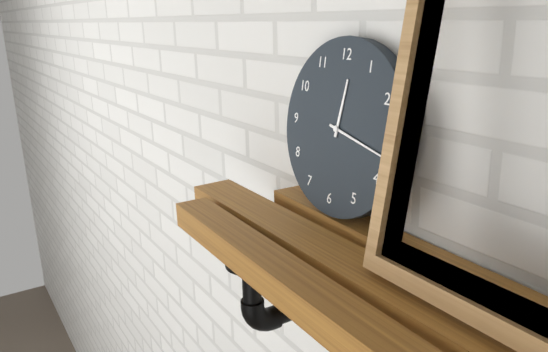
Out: {"hour": 12, "minute": 17}
